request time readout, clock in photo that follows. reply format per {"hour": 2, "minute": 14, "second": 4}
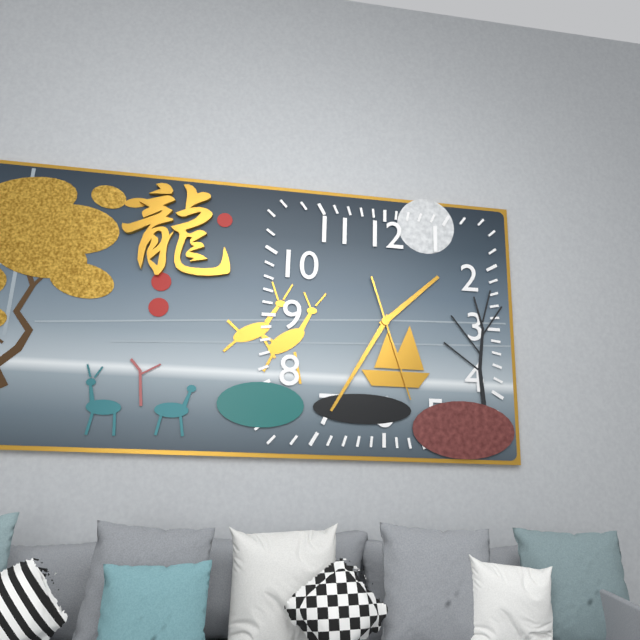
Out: {"hour": 1, "minute": 35, "second": 27}
